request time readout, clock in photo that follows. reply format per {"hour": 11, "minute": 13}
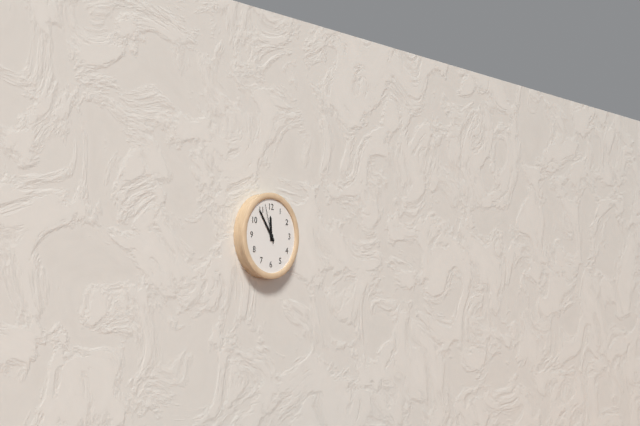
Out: {"hour": 11, "minute": 54}
